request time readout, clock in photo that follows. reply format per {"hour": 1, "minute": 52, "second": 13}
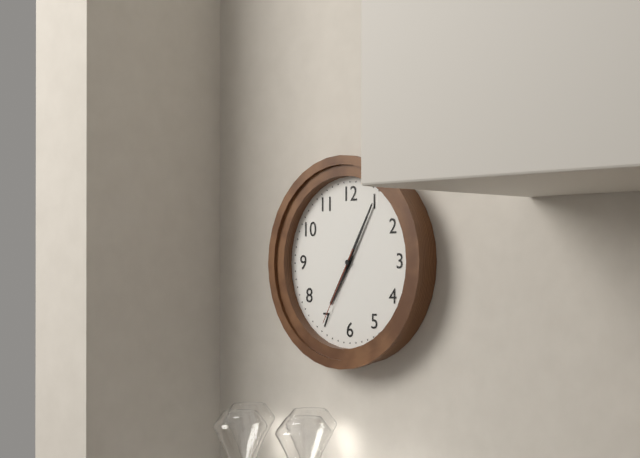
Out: {"hour": 7, "minute": 5, "second": 35}
